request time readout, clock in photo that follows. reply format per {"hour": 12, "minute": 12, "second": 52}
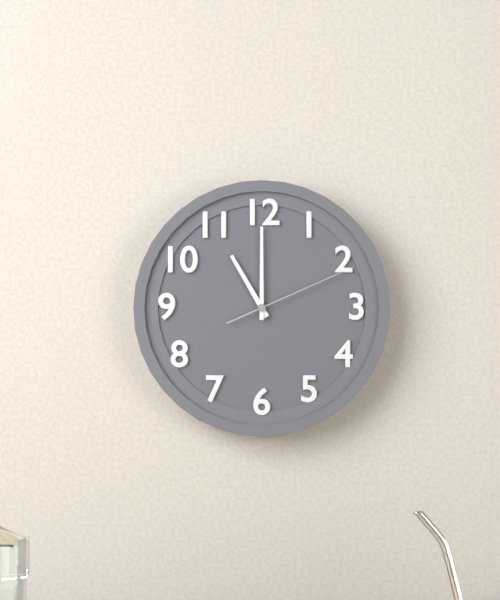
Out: {"hour": 11, "minute": 0, "second": 11}
